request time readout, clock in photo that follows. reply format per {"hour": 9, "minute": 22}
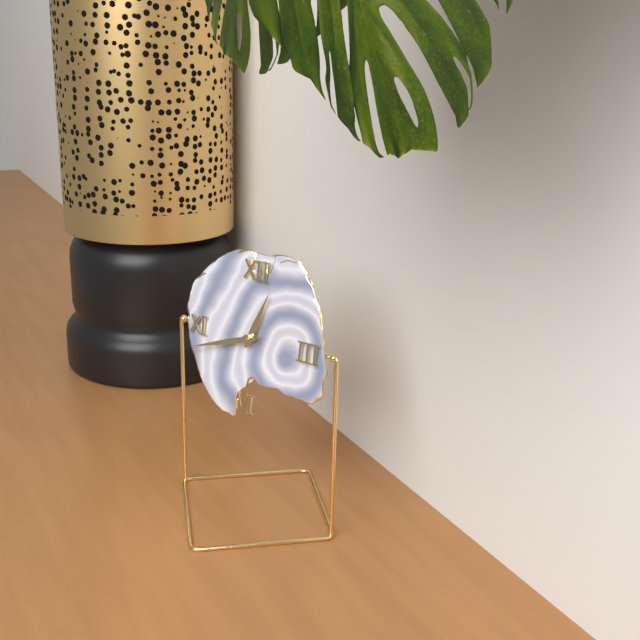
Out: {"hour": 12, "minute": 42}
